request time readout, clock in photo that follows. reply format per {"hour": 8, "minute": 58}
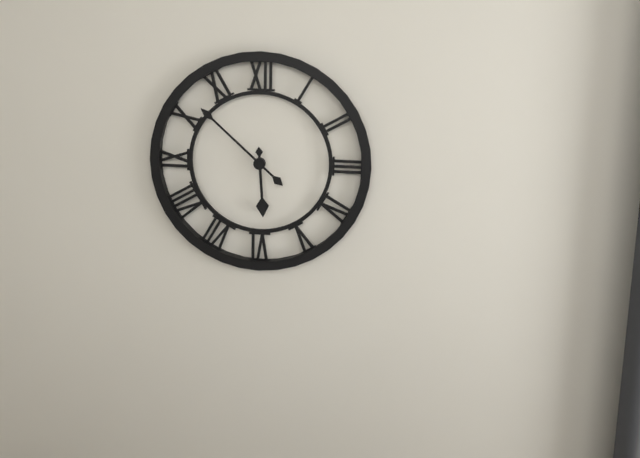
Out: {"hour": 5, "minute": 52}
